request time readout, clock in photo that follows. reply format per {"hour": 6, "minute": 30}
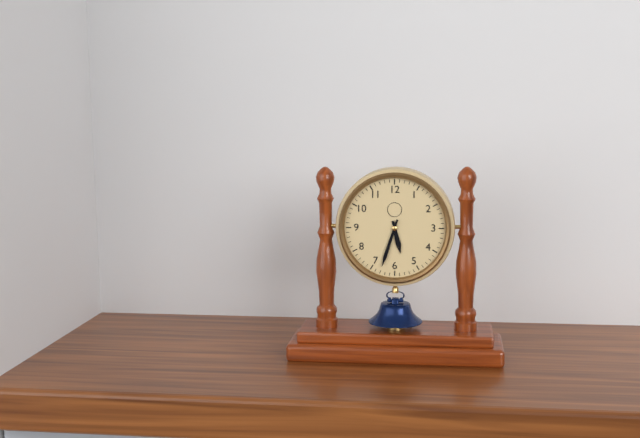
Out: {"hour": 5, "minute": 33}
